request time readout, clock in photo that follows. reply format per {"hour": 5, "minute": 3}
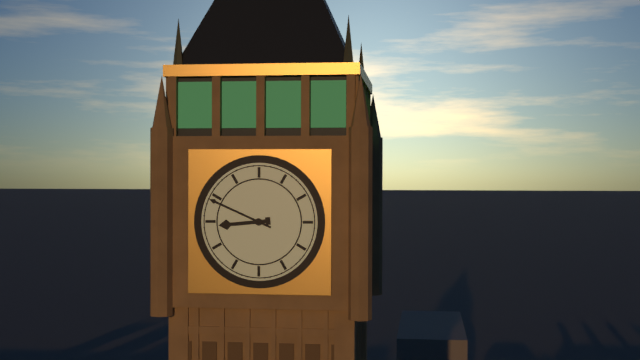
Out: {"hour": 8, "minute": 49}
